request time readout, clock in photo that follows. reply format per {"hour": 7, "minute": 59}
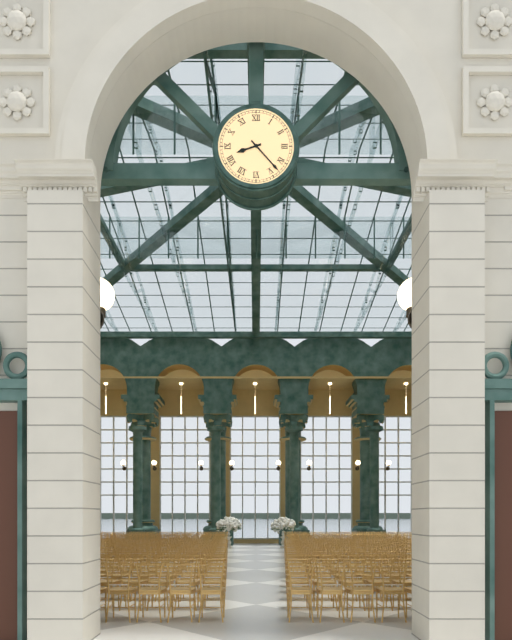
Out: {"hour": 8, "minute": 23}
